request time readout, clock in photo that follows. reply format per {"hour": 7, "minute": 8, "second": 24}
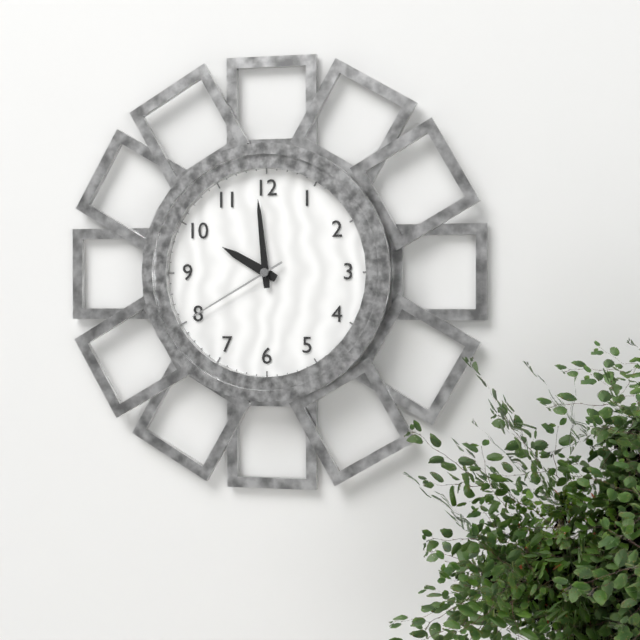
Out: {"hour": 9, "minute": 59, "second": 40}
